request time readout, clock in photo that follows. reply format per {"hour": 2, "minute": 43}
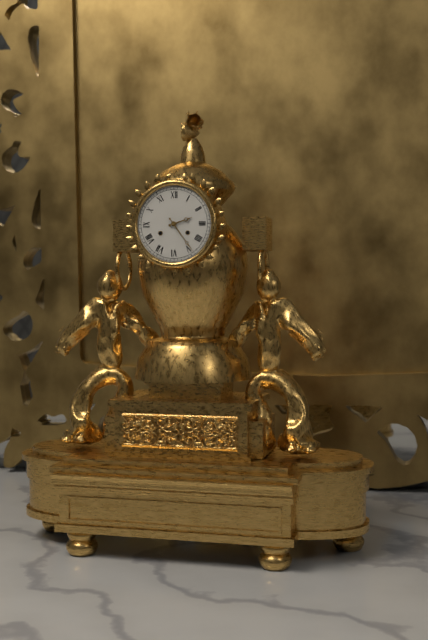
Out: {"hour": 2, "minute": 24}
